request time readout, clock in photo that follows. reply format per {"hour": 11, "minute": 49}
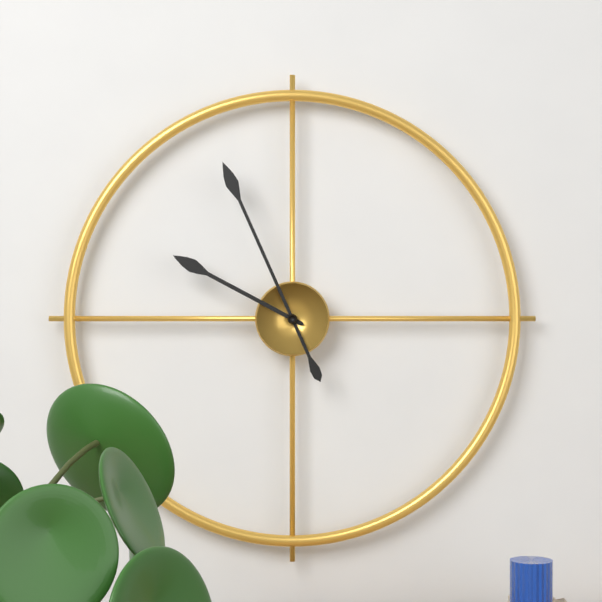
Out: {"hour": 9, "minute": 56}
